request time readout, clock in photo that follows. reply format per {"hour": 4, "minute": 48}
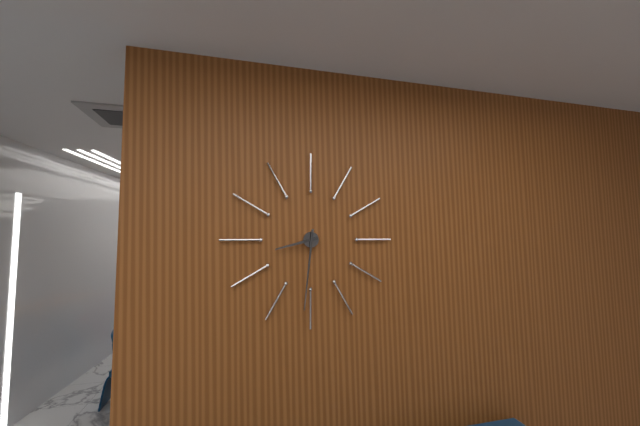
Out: {"hour": 8, "minute": 31}
